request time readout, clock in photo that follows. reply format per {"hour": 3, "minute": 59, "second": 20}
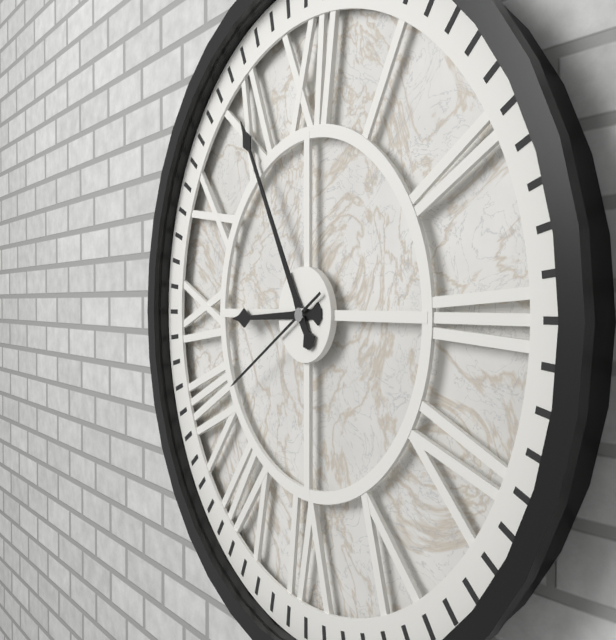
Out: {"hour": 8, "minute": 55, "second": 40}
